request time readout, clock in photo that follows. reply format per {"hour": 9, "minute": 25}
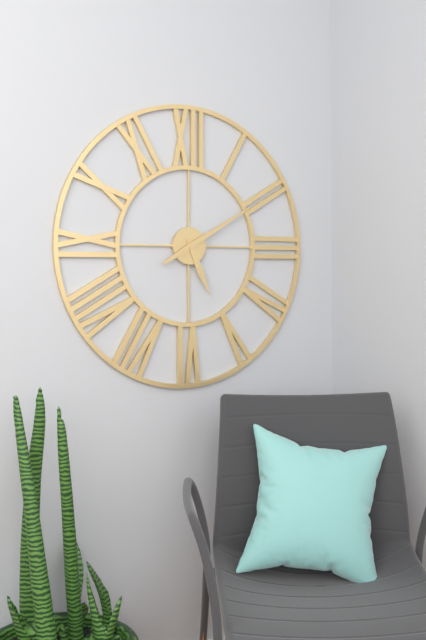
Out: {"hour": 5, "minute": 10}
